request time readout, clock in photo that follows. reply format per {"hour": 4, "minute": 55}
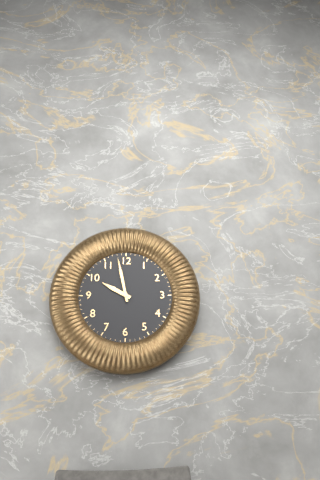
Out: {"hour": 9, "minute": 58}
